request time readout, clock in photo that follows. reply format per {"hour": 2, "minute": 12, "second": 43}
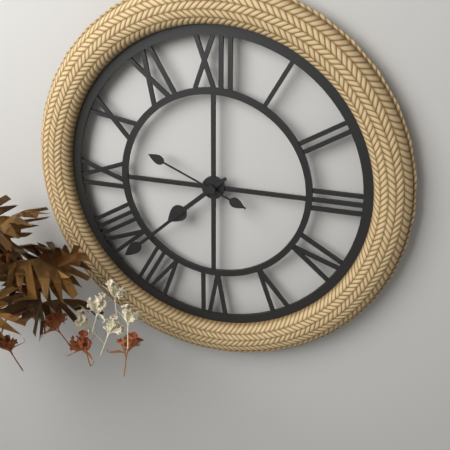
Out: {"hour": 7, "minute": 38, "second": 49}
